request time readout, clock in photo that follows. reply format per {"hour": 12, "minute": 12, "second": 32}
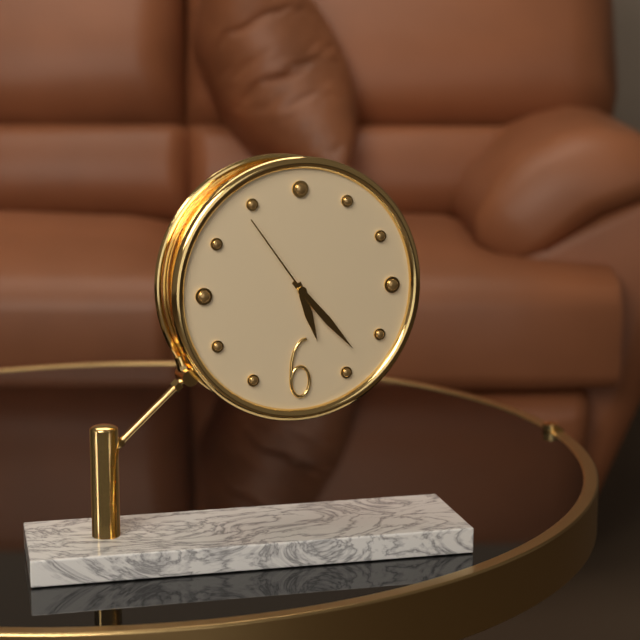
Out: {"hour": 5, "minute": 23, "second": 54}
